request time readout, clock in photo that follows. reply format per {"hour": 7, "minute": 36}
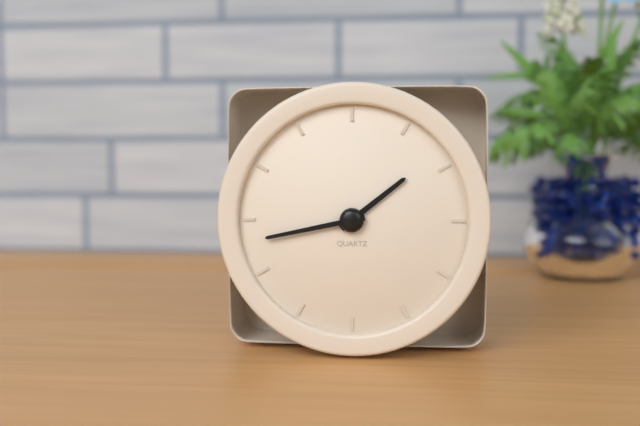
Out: {"hour": 1, "minute": 43}
